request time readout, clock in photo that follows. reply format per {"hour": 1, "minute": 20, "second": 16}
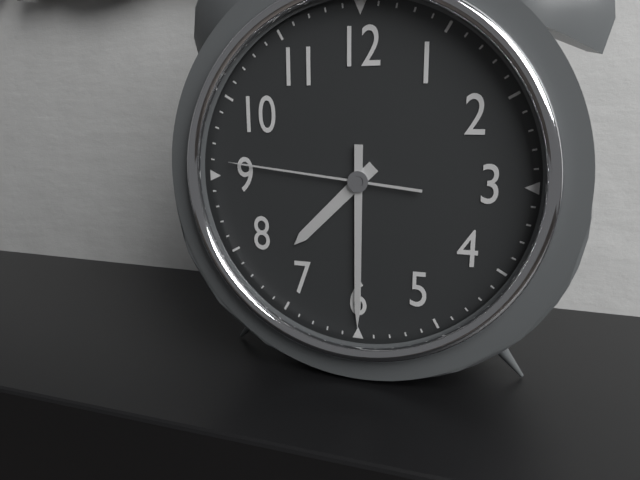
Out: {"hour": 7, "minute": 30, "second": 46}
